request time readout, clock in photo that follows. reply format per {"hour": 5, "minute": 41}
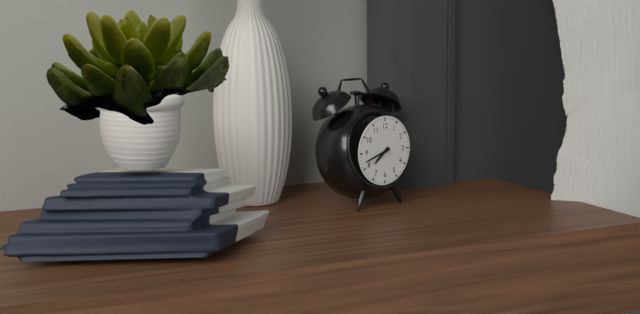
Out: {"hour": 7, "minute": 42}
